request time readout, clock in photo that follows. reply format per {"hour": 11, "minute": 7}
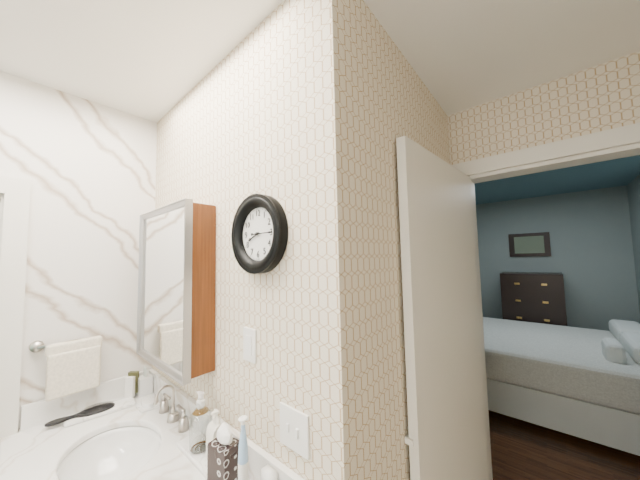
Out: {"hour": 8, "minute": 15}
